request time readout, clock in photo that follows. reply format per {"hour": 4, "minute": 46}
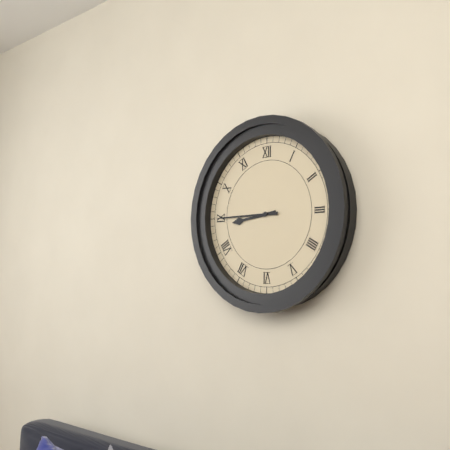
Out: {"hour": 8, "minute": 45}
